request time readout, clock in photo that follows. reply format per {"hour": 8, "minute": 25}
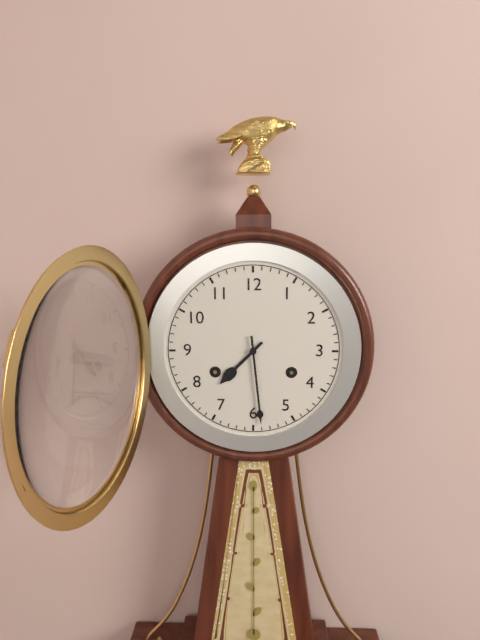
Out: {"hour": 7, "minute": 29}
